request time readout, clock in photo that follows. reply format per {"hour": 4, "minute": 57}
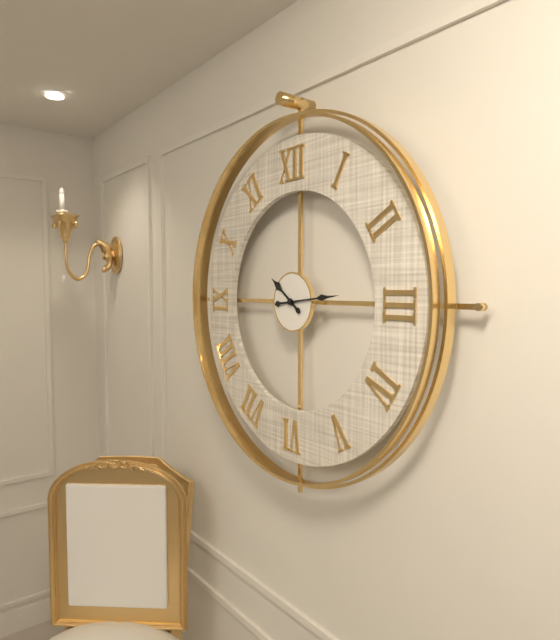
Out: {"hour": 10, "minute": 14}
